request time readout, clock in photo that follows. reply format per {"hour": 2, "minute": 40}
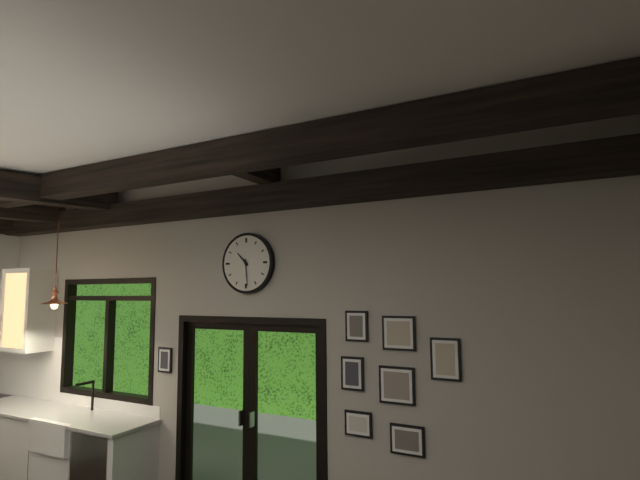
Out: {"hour": 10, "minute": 29}
